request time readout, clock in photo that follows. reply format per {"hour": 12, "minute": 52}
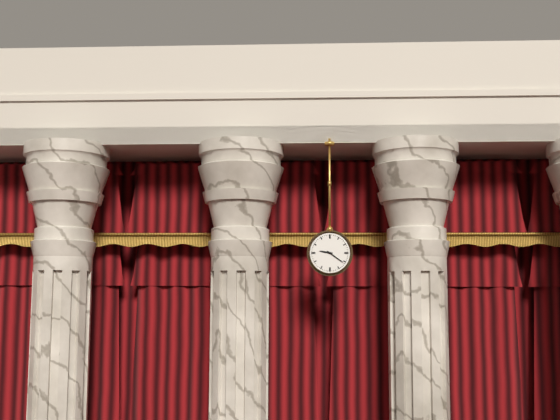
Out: {"hour": 9, "minute": 21}
